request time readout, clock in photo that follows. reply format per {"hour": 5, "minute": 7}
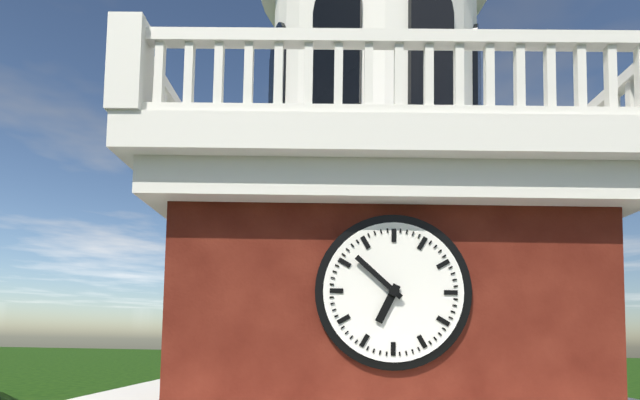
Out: {"hour": 6, "minute": 52}
